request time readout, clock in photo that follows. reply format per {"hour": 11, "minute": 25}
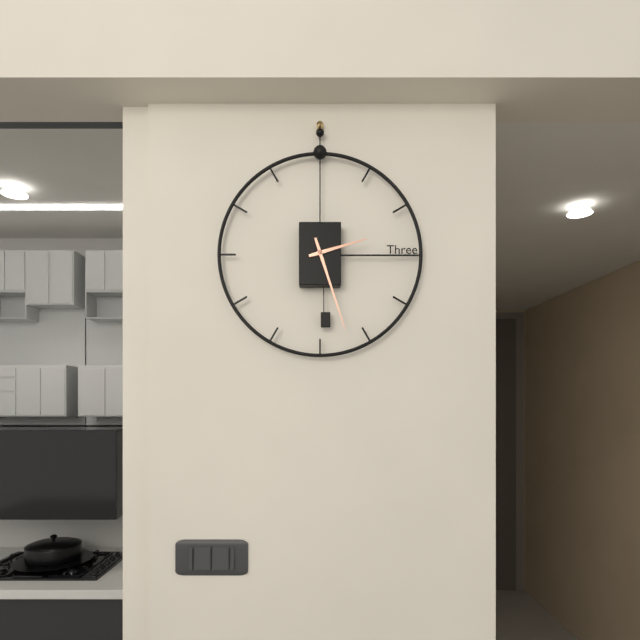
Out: {"hour": 2, "minute": 27}
